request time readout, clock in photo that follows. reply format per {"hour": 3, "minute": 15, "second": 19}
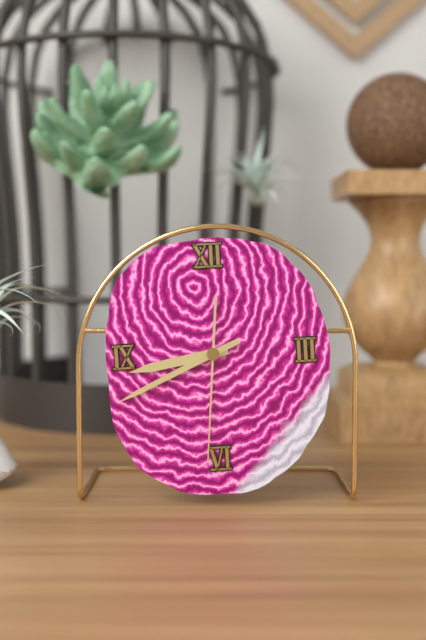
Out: {"hour": 8, "minute": 41, "second": 31}
